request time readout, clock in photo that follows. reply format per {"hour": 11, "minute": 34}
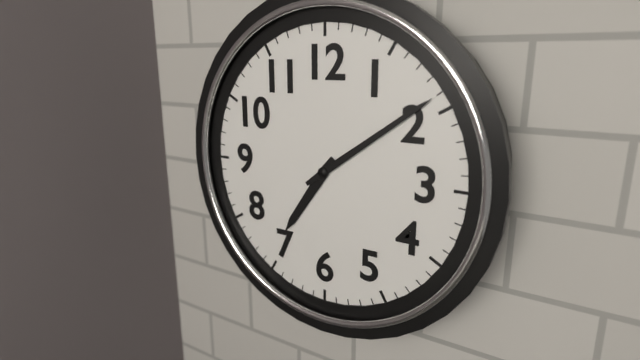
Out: {"hour": 7, "minute": 9}
